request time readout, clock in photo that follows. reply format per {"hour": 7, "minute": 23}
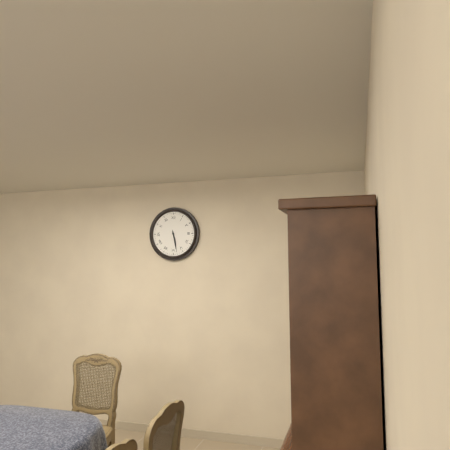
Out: {"hour": 5, "minute": 28}
